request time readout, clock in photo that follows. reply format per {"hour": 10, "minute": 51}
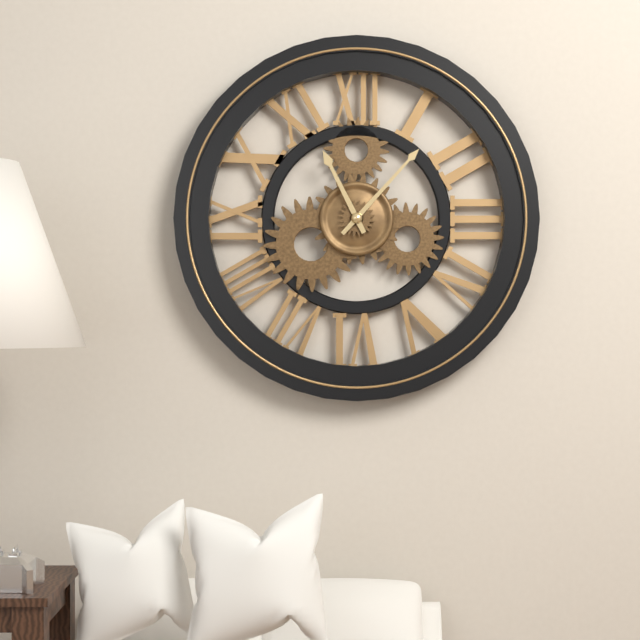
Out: {"hour": 11, "minute": 7}
